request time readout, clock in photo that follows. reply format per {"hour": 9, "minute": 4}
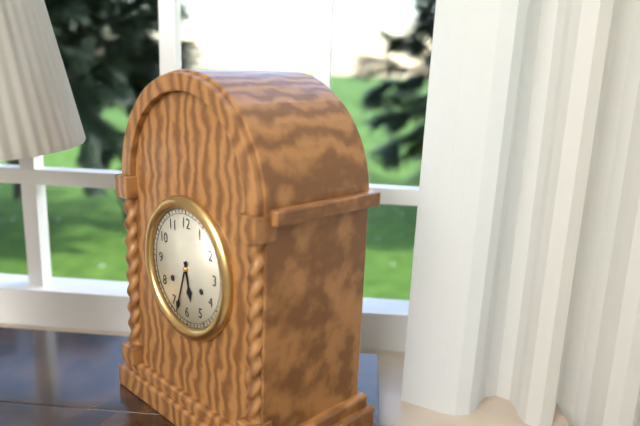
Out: {"hour": 5, "minute": 33}
